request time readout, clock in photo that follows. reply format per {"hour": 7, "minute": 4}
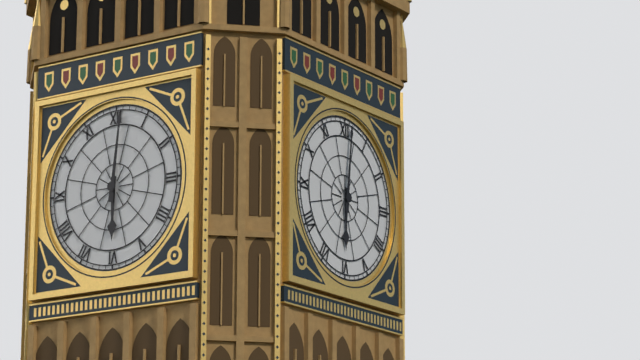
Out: {"hour": 6, "minute": 1}
